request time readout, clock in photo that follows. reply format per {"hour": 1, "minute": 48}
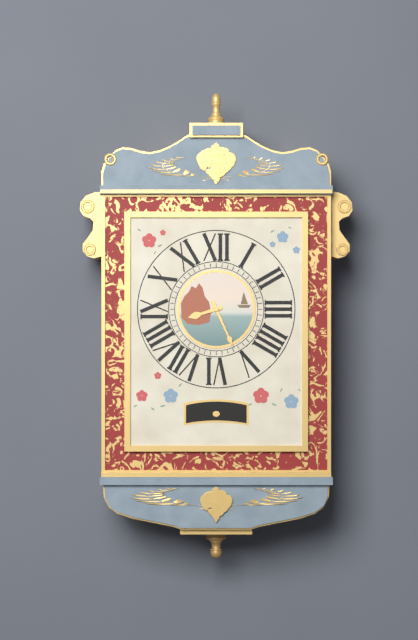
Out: {"hour": 8, "minute": 26}
